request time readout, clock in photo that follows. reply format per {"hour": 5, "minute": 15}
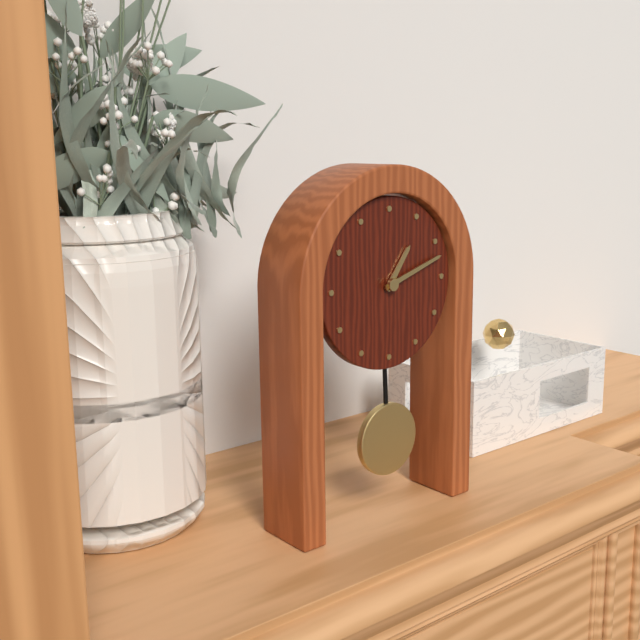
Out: {"hour": 1, "minute": 12}
